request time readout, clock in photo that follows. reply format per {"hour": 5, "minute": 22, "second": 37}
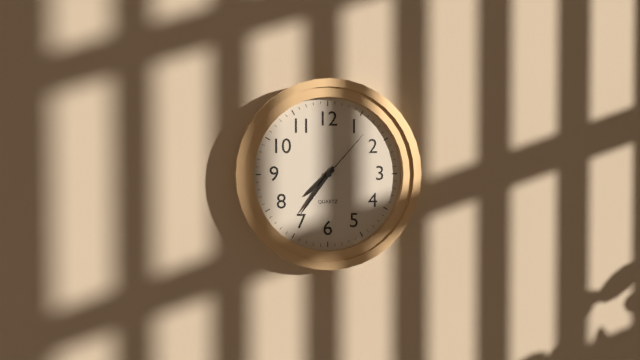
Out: {"hour": 7, "minute": 36, "second": 7}
